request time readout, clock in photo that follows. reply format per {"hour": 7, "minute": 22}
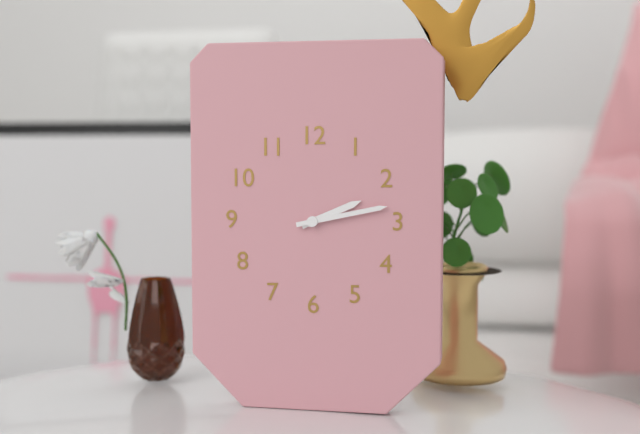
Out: {"hour": 2, "minute": 13}
